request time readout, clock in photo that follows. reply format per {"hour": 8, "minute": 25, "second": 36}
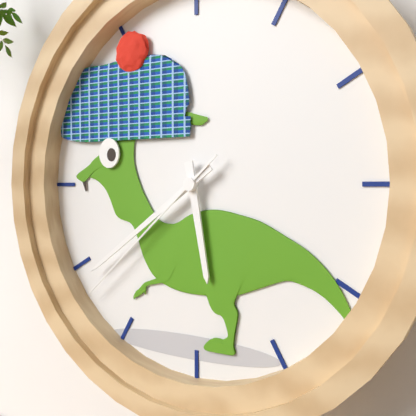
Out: {"hour": 5, "minute": 39, "second": 38}
